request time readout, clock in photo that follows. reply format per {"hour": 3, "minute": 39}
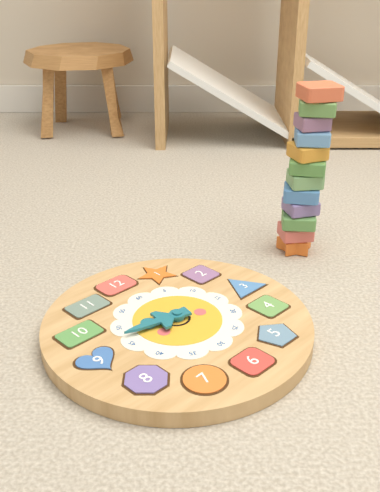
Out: {"hour": 9, "minute": 47}
